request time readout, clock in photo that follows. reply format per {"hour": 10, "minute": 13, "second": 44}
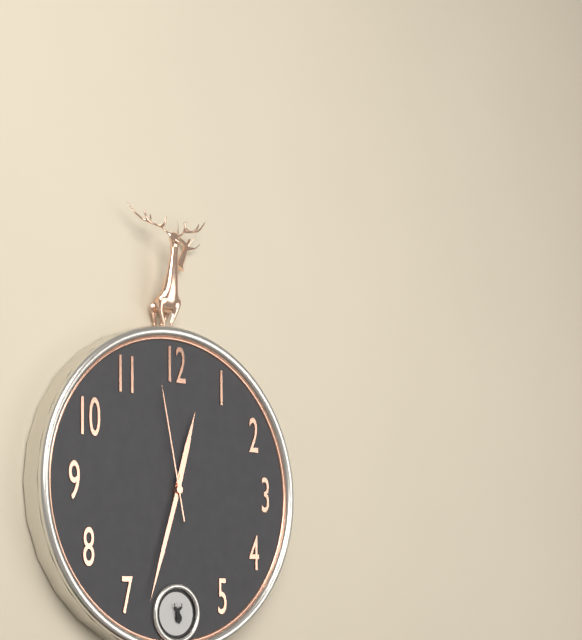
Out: {"hour": 12, "minute": 33, "second": 58}
